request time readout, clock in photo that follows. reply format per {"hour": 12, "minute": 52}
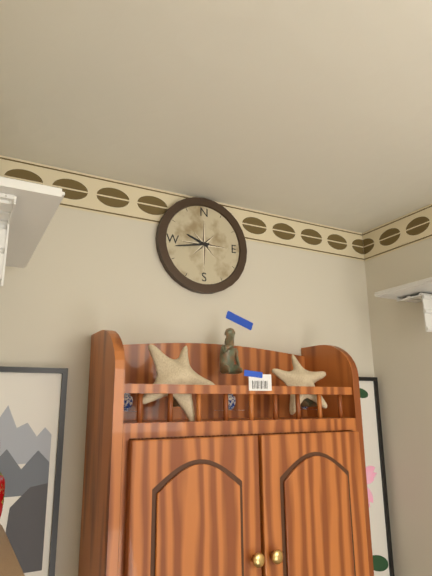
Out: {"hour": 9, "minute": 43}
